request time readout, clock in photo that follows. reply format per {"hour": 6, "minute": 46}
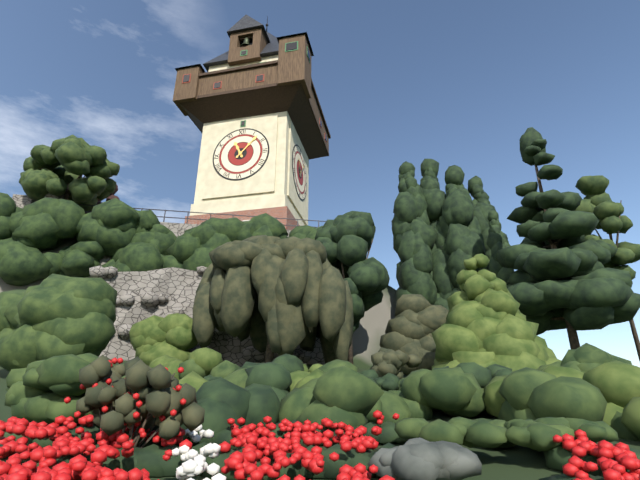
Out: {"hour": 11, "minute": 7}
